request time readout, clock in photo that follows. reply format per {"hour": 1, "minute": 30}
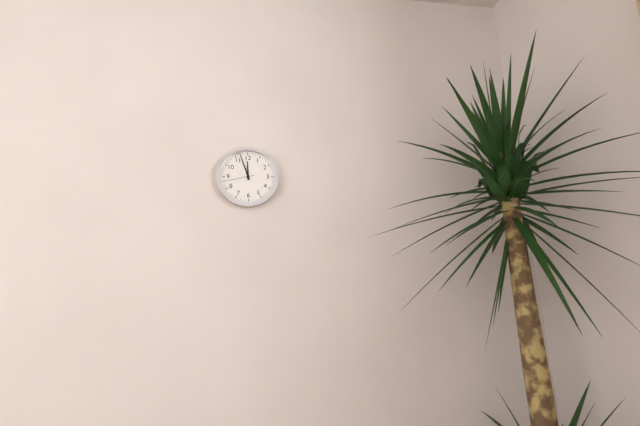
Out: {"hour": 11, "minute": 57}
